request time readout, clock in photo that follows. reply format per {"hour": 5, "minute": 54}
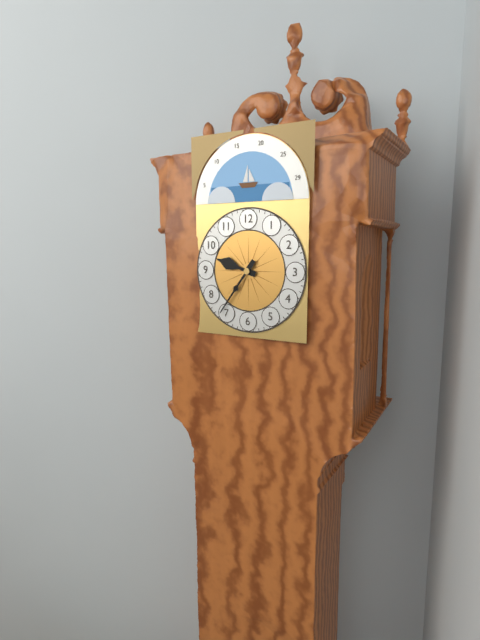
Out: {"hour": 9, "minute": 36}
